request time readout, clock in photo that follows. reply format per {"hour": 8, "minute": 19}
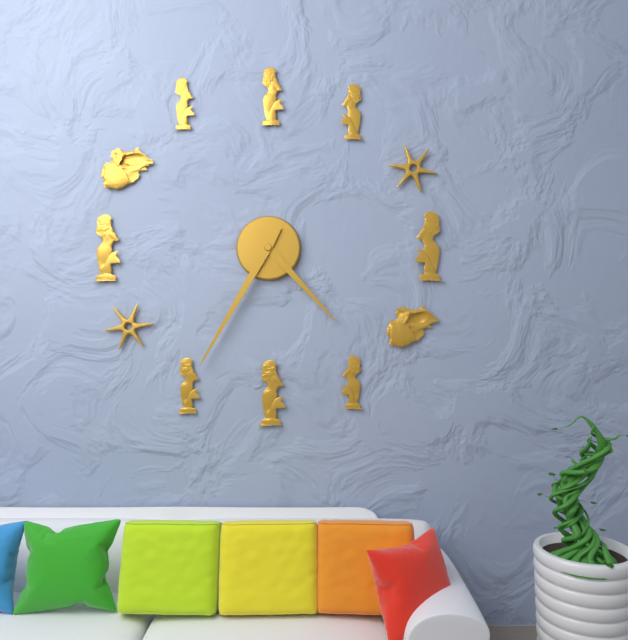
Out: {"hour": 4, "minute": 35}
